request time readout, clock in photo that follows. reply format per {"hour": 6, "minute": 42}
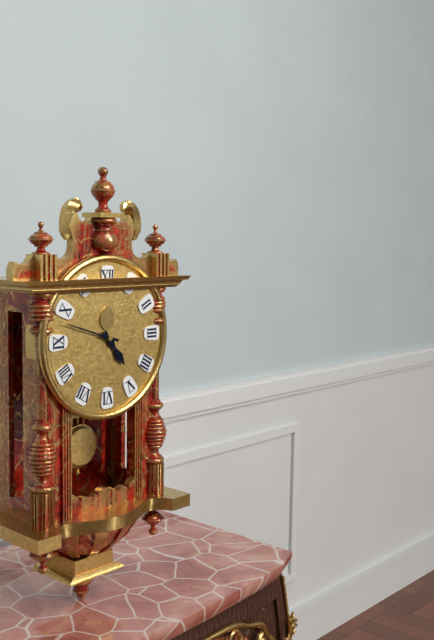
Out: {"hour": 4, "minute": 48}
